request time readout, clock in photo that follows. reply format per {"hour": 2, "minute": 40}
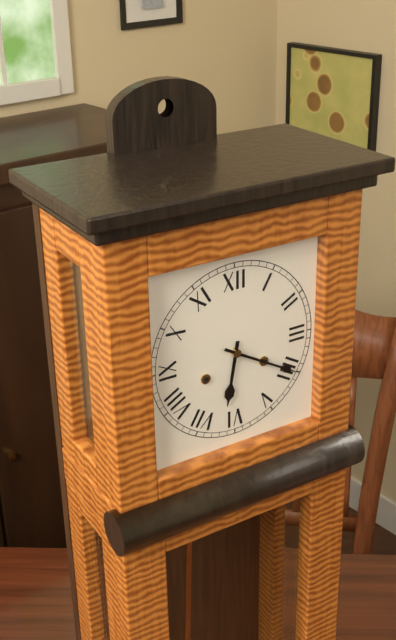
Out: {"hour": 6, "minute": 20}
